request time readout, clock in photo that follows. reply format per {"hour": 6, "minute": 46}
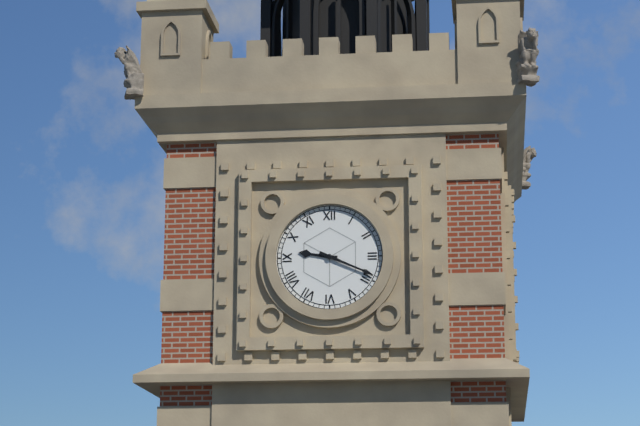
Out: {"hour": 9, "minute": 19}
